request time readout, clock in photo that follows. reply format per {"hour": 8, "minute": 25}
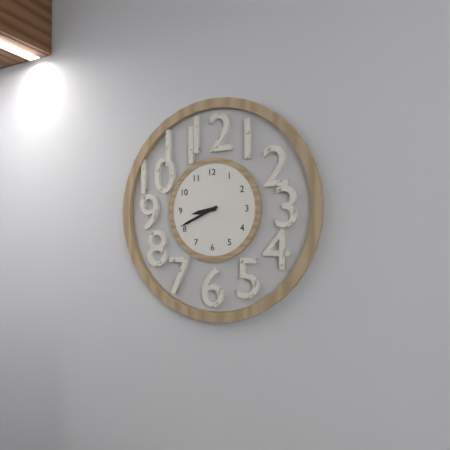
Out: {"hour": 8, "minute": 41}
